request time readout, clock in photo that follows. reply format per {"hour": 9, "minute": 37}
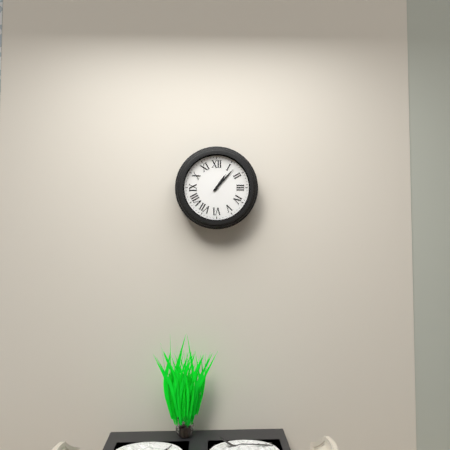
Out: {"hour": 1, "minute": 7}
